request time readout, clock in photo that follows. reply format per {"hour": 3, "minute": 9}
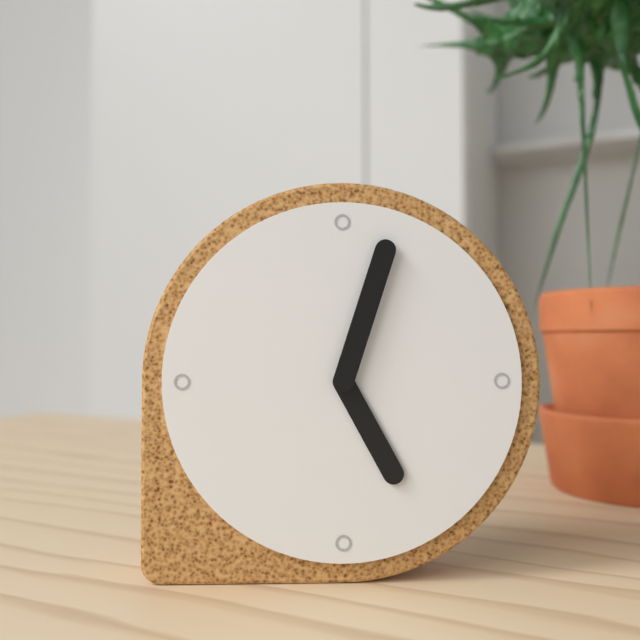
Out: {"hour": 5, "minute": 3}
